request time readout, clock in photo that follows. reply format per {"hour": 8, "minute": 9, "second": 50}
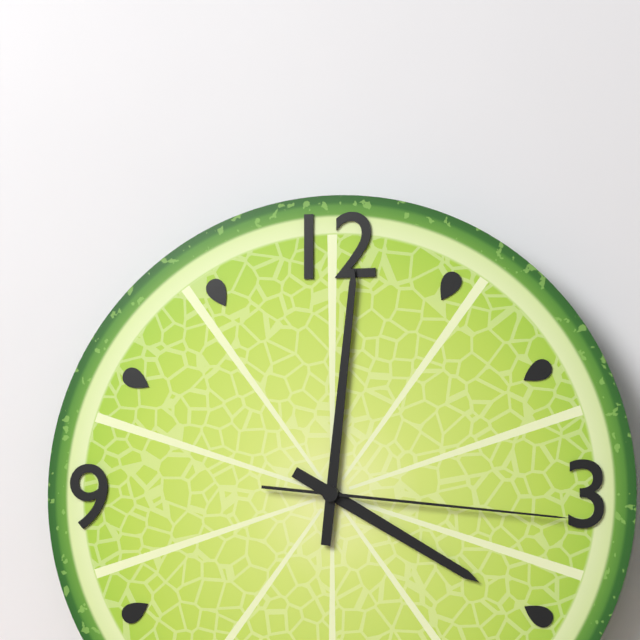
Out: {"hour": 4, "minute": 1, "second": 16}
